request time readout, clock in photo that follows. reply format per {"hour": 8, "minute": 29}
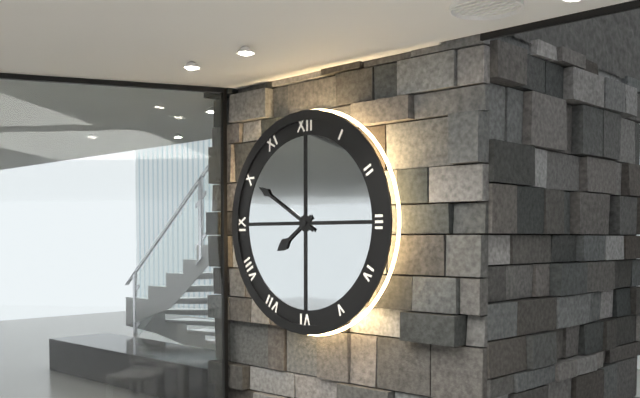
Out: {"hour": 7, "minute": 50}
